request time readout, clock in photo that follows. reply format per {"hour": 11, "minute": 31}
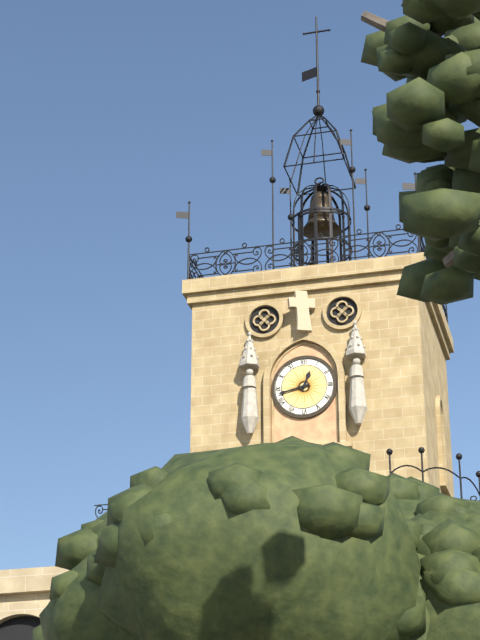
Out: {"hour": 12, "minute": 43}
